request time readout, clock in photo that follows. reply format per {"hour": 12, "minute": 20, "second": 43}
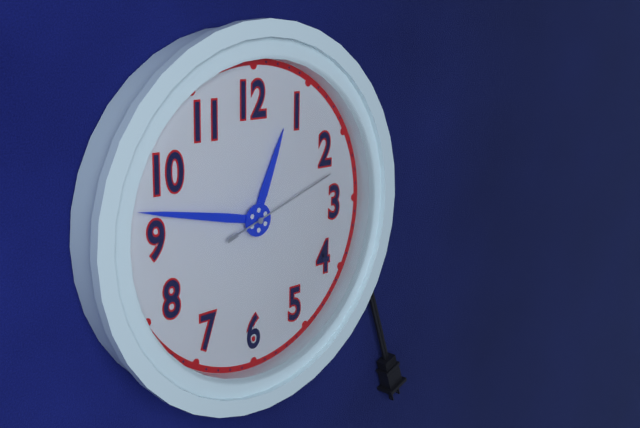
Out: {"hour": 12, "minute": 47, "second": 12}
